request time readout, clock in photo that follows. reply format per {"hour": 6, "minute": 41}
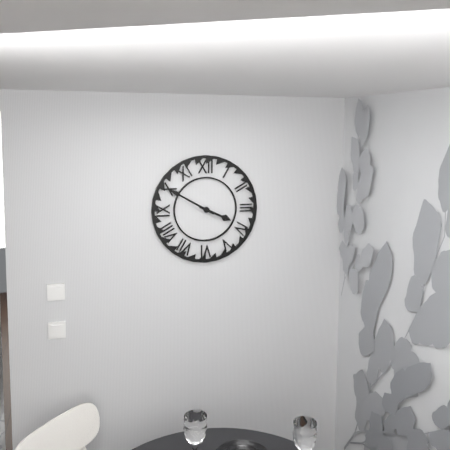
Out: {"hour": 3, "minute": 50}
